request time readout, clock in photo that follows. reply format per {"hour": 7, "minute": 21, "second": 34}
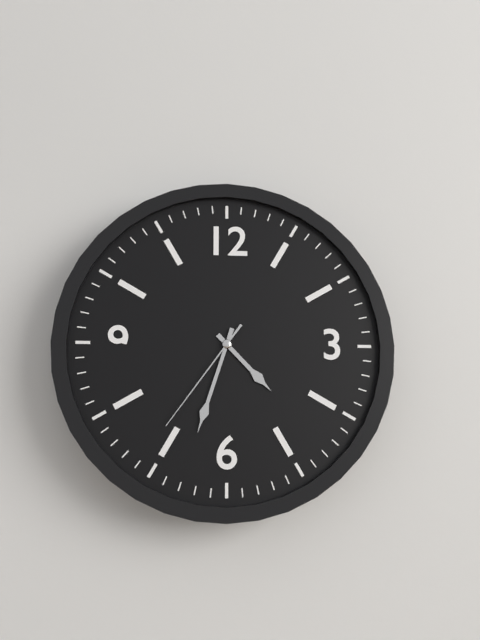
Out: {"hour": 4, "minute": 33, "second": 36}
